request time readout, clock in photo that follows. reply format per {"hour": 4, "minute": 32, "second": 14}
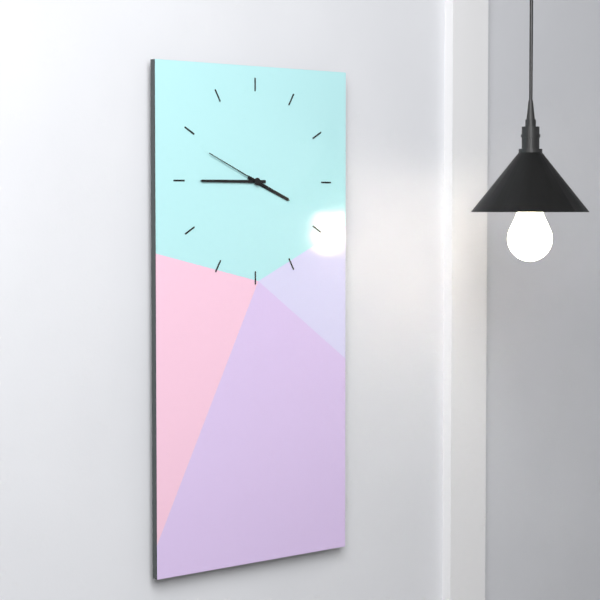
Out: {"hour": 3, "minute": 45, "second": 49}
